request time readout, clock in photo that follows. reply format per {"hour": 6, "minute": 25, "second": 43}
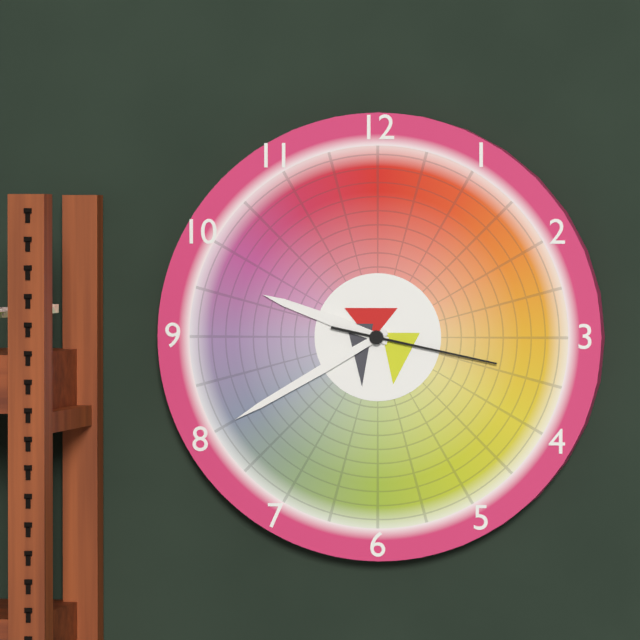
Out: {"hour": 9, "minute": 40, "second": 17}
